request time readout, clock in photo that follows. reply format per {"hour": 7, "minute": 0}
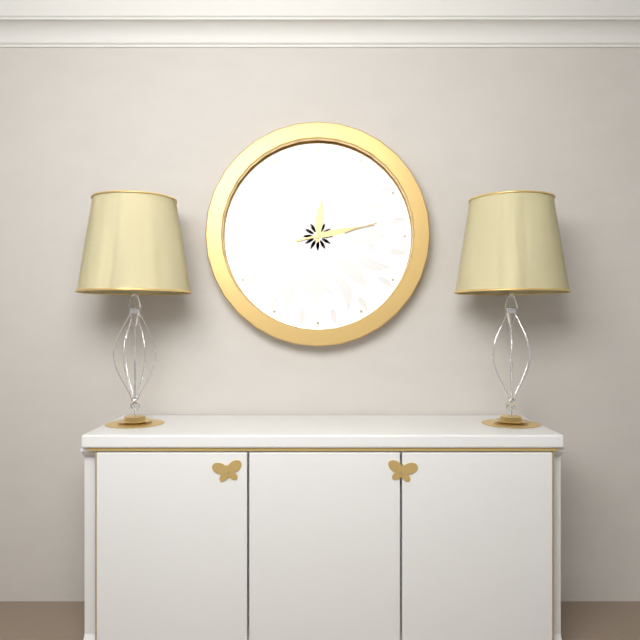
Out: {"hour": 12, "minute": 13}
